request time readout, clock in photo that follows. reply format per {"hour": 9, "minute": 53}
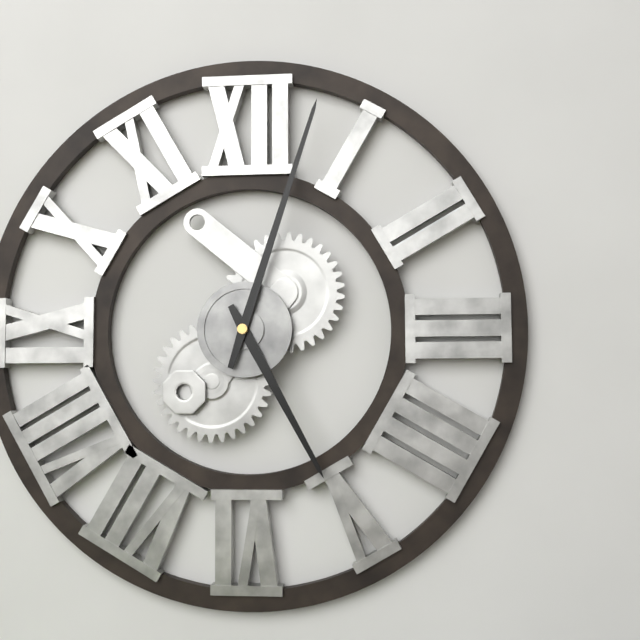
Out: {"hour": 5, "minute": 3}
